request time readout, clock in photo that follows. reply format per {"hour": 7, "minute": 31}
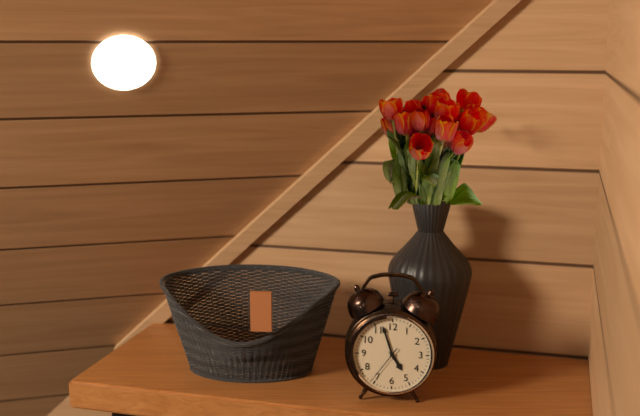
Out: {"hour": 4, "minute": 57}
